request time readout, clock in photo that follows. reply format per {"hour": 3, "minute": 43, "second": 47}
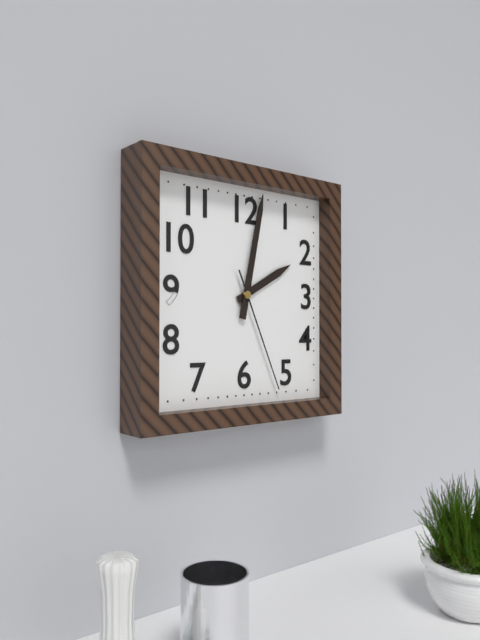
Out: {"hour": 2, "minute": 2, "second": 26}
